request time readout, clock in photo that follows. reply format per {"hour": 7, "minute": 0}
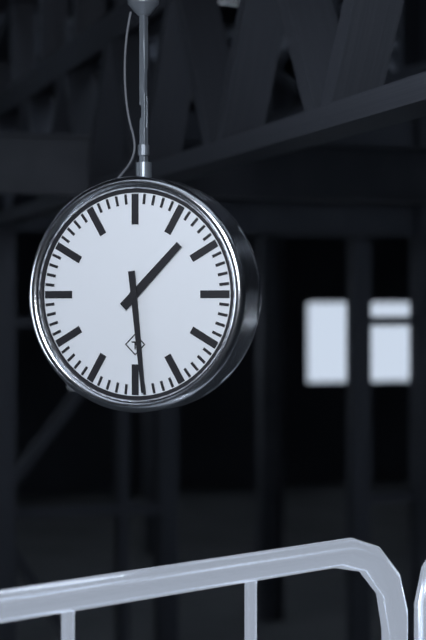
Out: {"hour": 1, "minute": 29}
